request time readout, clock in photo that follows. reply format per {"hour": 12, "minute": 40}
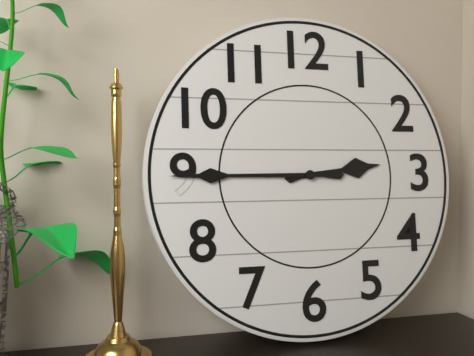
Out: {"hour": 2, "minute": 45}
